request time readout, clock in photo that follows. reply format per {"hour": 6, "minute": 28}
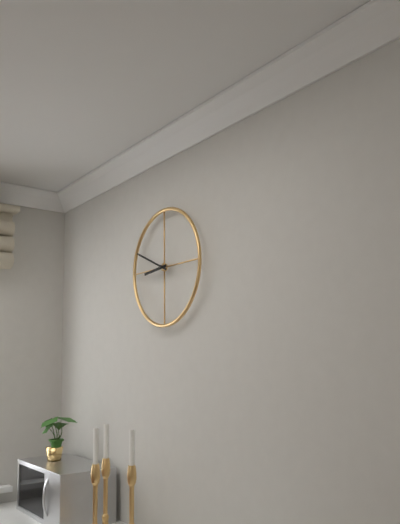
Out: {"hour": 8, "minute": 49}
